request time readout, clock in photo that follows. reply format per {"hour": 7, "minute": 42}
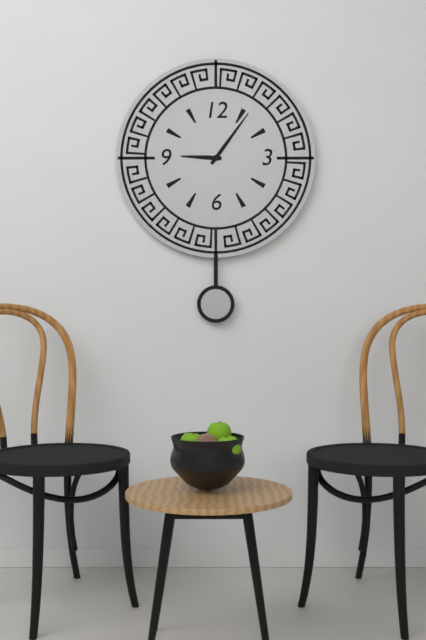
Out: {"hour": 9, "minute": 6}
